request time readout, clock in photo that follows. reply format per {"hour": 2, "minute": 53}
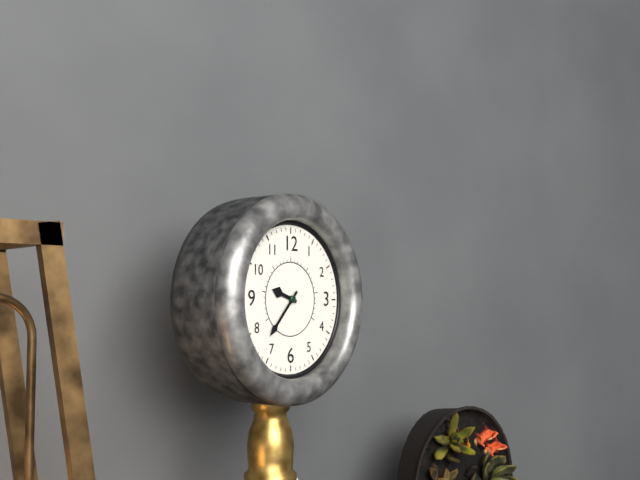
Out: {"hour": 9, "minute": 37}
